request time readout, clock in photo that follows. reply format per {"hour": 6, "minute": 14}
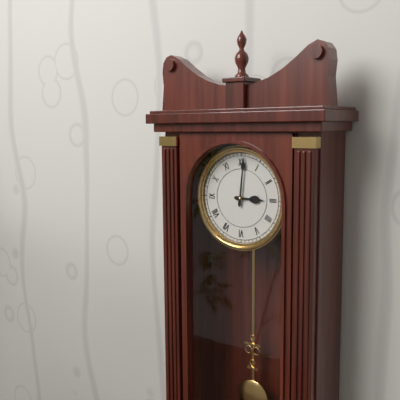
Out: {"hour": 3, "minute": 1}
